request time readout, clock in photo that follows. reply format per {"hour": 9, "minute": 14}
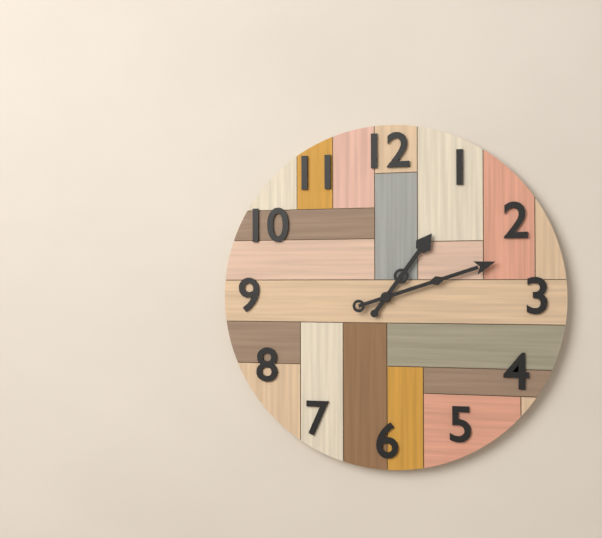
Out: {"hour": 1, "minute": 12}
